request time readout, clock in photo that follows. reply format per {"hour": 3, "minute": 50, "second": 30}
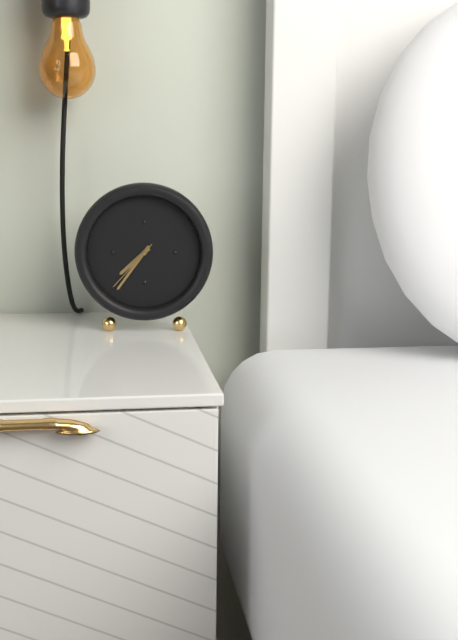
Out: {"hour": 7, "minute": 36, "second": 37}
